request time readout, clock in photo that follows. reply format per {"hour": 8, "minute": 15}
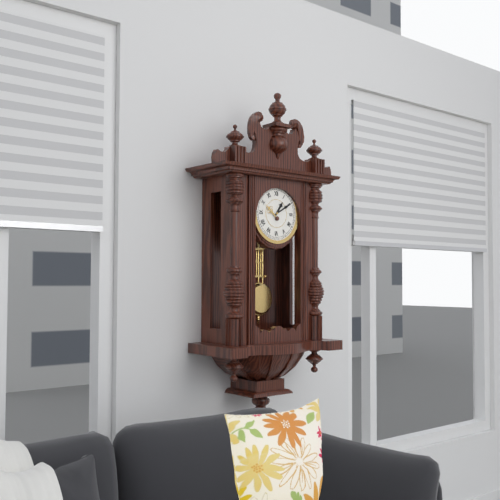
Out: {"hour": 1, "minute": 10}
